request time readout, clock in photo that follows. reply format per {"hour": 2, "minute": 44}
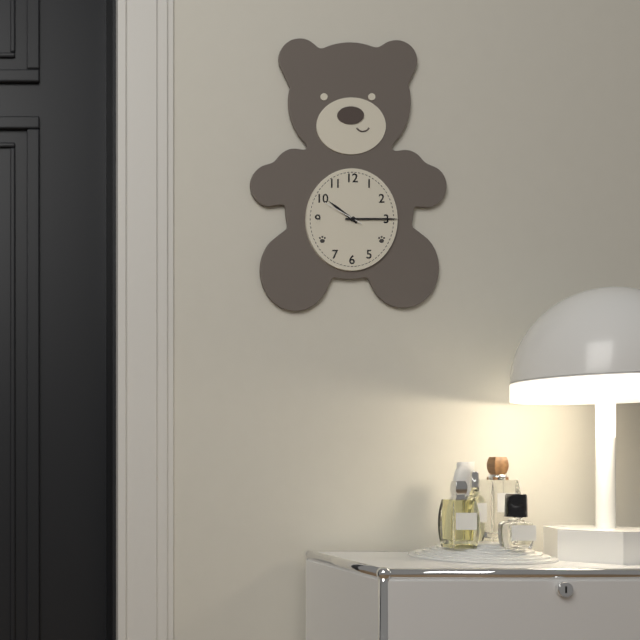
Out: {"hour": 10, "minute": 15}
